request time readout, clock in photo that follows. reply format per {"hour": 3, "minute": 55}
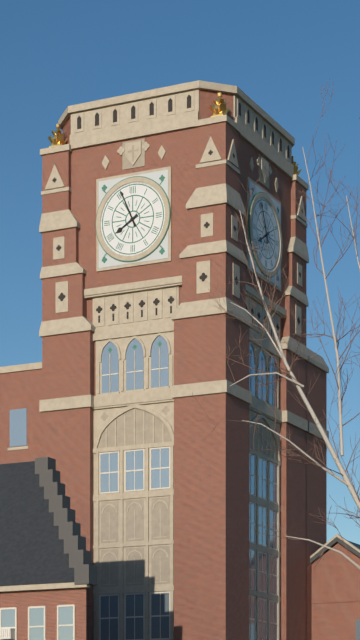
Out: {"hour": 7, "minute": 56}
